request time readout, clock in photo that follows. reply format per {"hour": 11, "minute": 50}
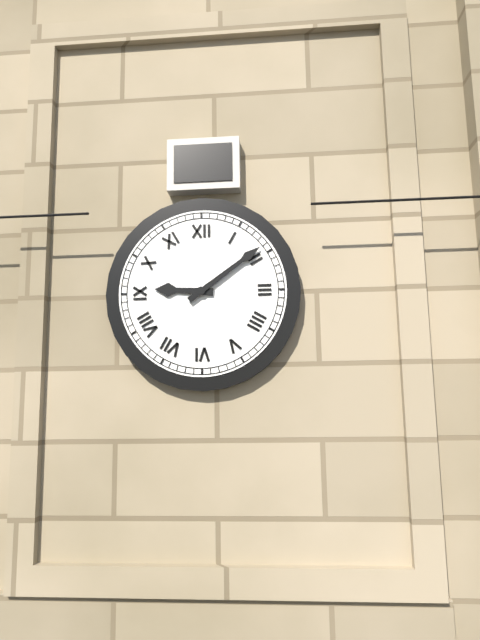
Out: {"hour": 9, "minute": 9}
